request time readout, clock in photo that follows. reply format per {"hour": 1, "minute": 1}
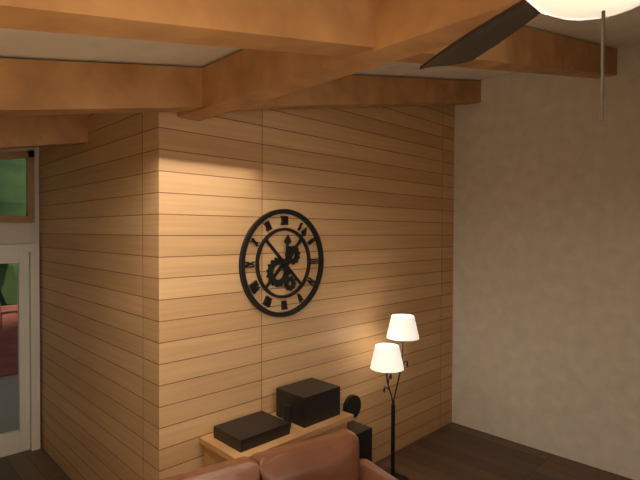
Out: {"hour": 12, "minute": 6}
